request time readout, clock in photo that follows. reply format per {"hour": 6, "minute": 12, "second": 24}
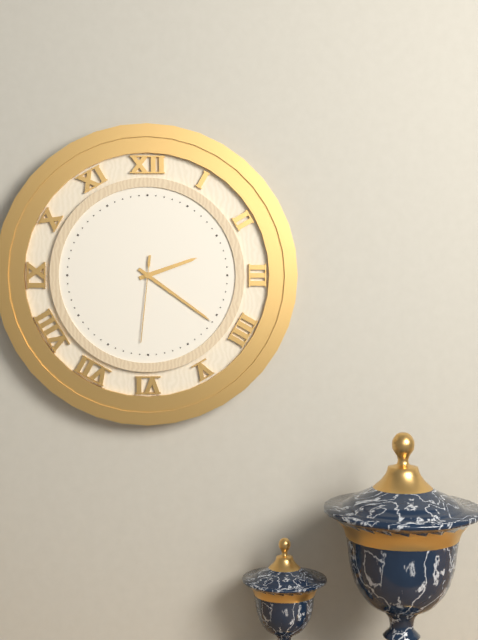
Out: {"hour": 2, "minute": 21, "second": 31}
